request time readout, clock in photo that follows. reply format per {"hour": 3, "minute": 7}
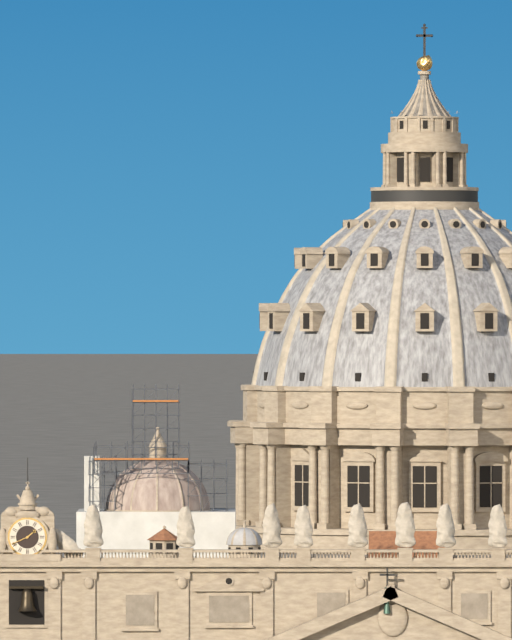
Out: {"hour": 1, "minute": 41}
